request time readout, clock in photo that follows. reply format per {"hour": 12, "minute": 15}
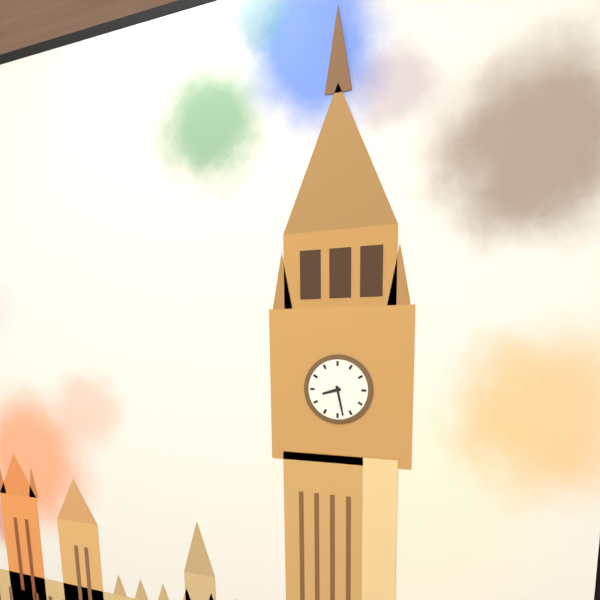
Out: {"hour": 8, "minute": 28}
